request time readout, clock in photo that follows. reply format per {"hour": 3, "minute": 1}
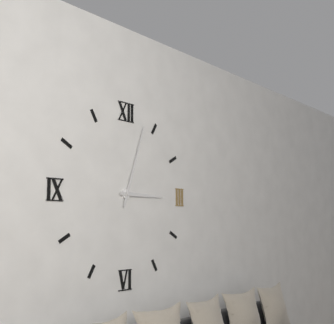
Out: {"hour": 3, "minute": 3}
